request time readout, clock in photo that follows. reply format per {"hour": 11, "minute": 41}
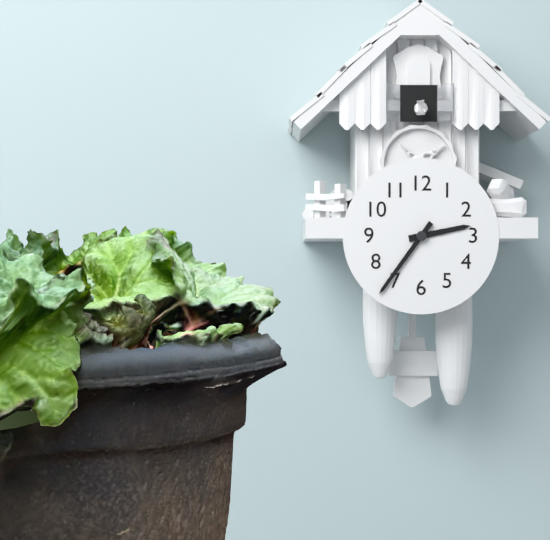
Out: {"hour": 2, "minute": 36}
